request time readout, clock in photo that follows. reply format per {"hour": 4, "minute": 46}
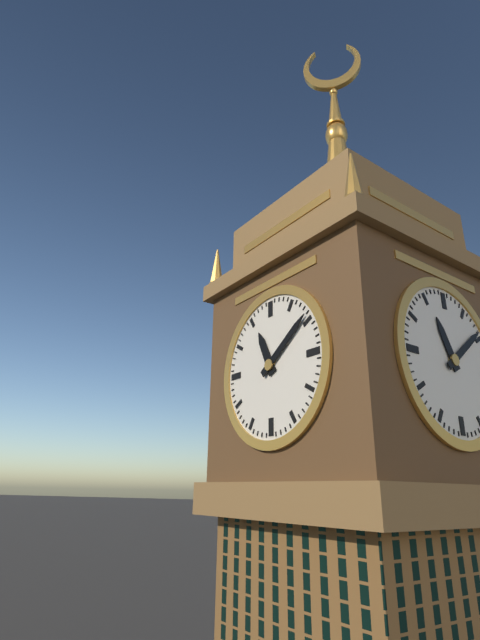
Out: {"hour": 11, "minute": 9}
